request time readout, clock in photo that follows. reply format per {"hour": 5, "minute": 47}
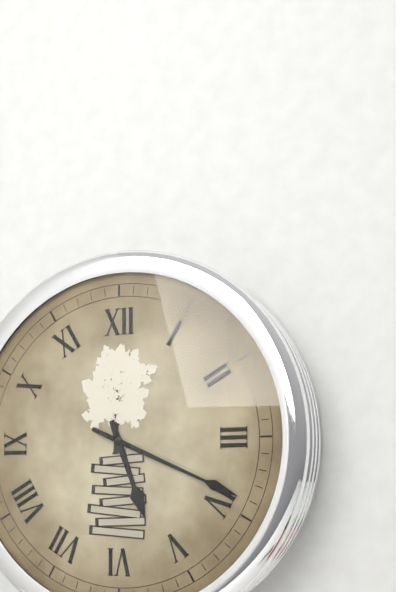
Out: {"hour": 5, "minute": 19}
